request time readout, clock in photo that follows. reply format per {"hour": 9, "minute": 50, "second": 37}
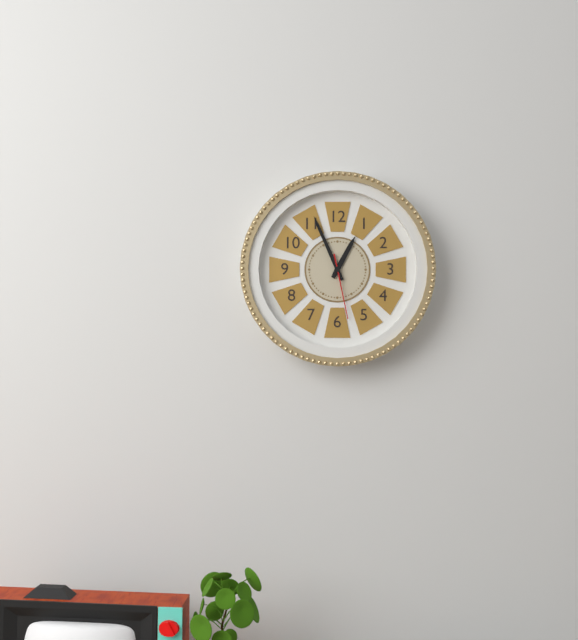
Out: {"hour": 12, "minute": 56, "second": 28}
